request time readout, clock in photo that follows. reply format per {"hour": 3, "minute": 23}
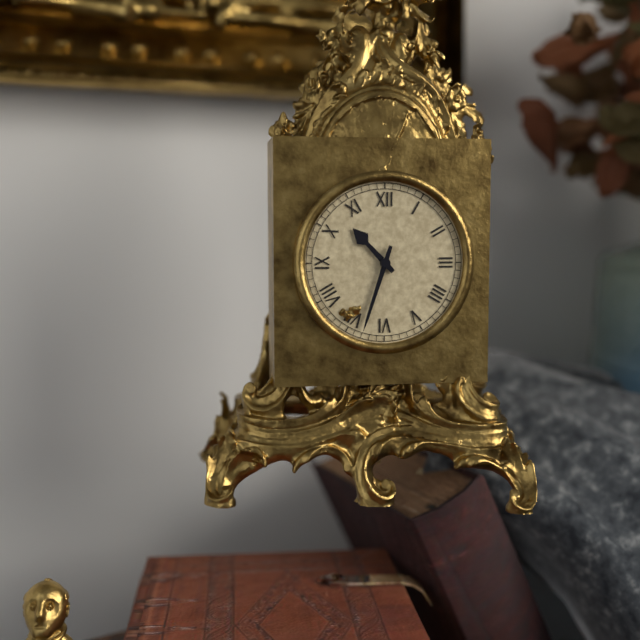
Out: {"hour": 10, "minute": 33}
